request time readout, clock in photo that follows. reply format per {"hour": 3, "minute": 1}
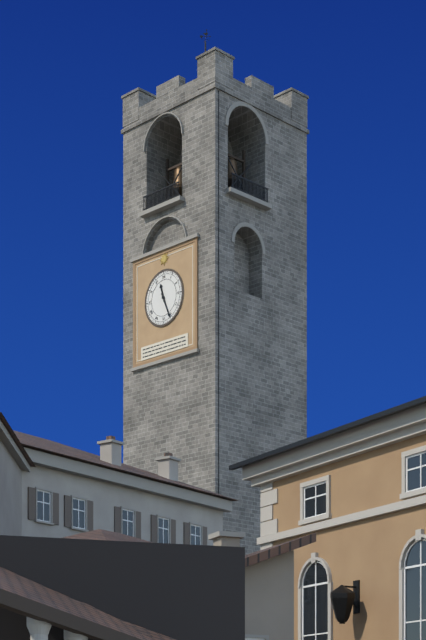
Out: {"hour": 11, "minute": 26}
